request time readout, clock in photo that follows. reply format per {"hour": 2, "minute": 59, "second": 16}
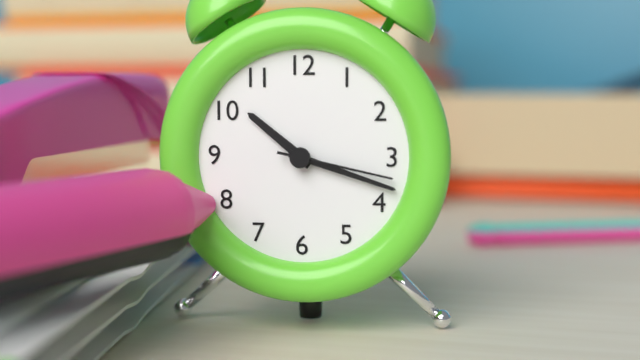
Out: {"hour": 10, "minute": 18, "second": 17}
